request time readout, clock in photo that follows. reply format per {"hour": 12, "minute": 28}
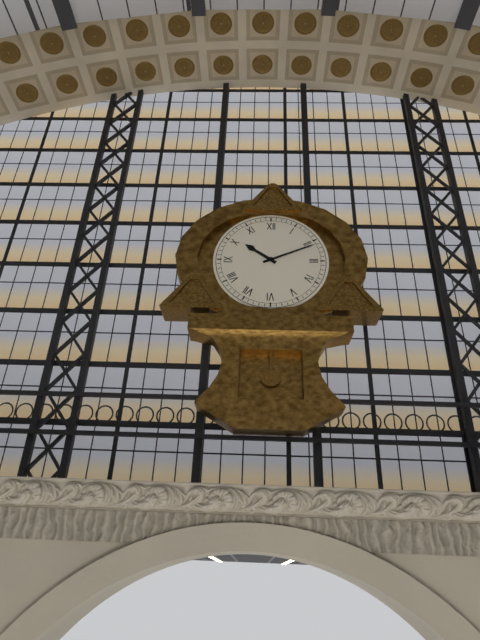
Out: {"hour": 10, "minute": 11}
